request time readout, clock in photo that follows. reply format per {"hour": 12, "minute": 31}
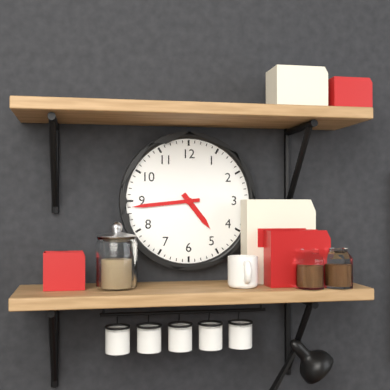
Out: {"hour": 4, "minute": 44}
